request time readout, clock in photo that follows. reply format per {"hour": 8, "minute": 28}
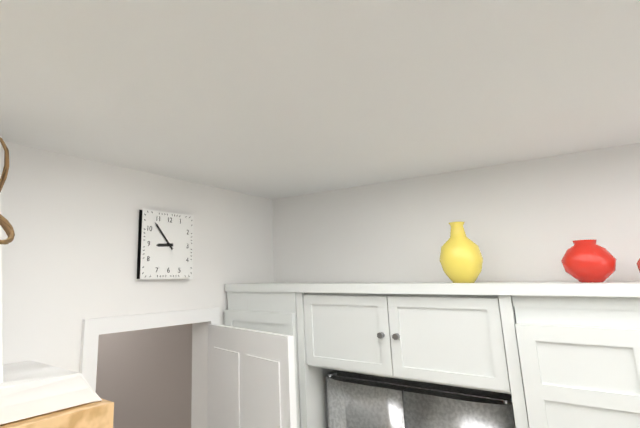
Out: {"hour": 8, "minute": 53}
